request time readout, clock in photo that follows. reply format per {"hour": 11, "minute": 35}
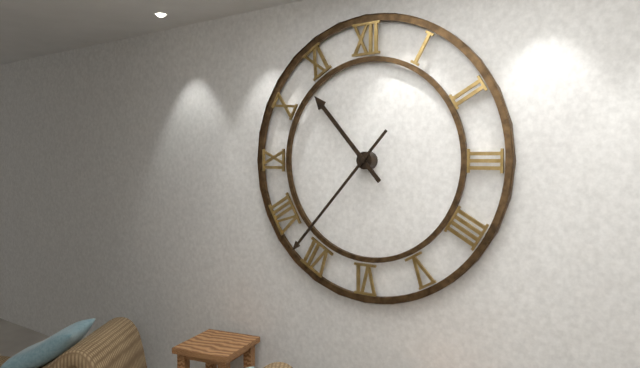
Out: {"hour": 10, "minute": 37}
